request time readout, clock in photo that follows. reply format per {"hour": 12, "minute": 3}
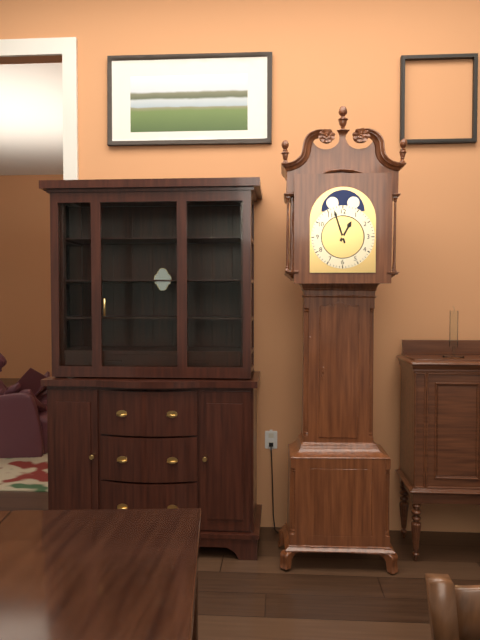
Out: {"hour": 12, "minute": 57}
